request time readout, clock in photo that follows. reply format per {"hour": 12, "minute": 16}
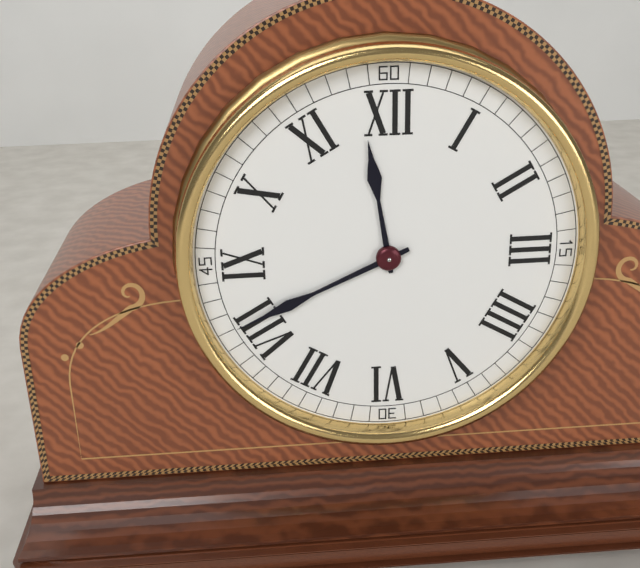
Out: {"hour": 11, "minute": 41}
